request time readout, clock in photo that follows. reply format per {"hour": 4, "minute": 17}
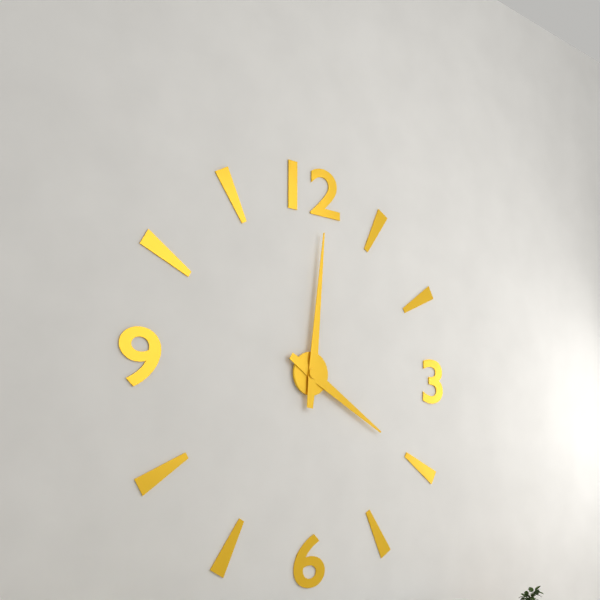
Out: {"hour": 4, "minute": 1}
